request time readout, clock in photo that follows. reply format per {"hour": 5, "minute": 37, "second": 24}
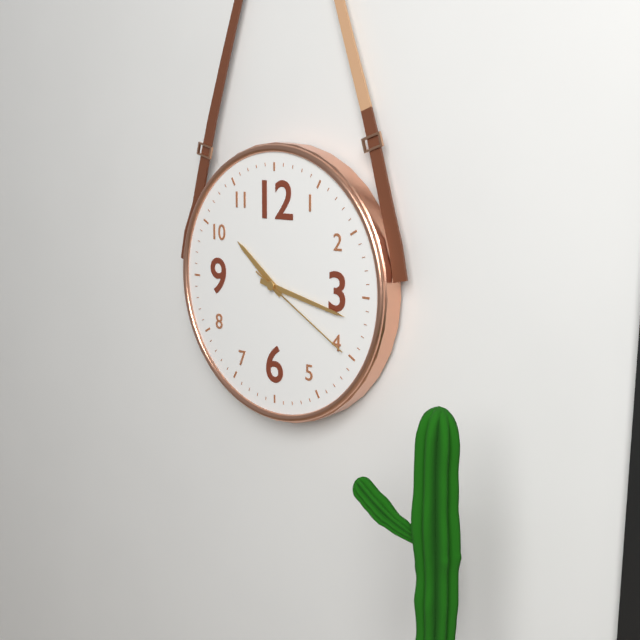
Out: {"hour": 10, "minute": 17, "second": 20}
